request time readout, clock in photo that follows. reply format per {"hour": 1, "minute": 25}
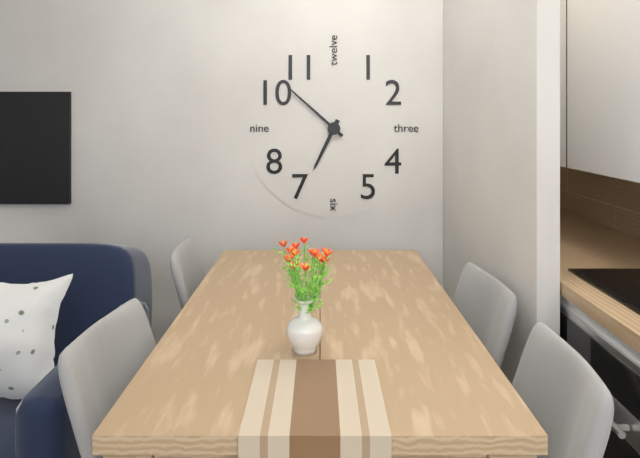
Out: {"hour": 6, "minute": 52}
